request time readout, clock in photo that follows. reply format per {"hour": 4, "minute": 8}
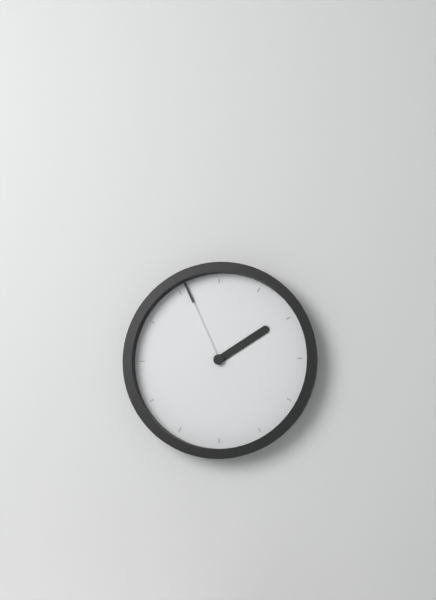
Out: {"hour": 1, "minute": 56}
